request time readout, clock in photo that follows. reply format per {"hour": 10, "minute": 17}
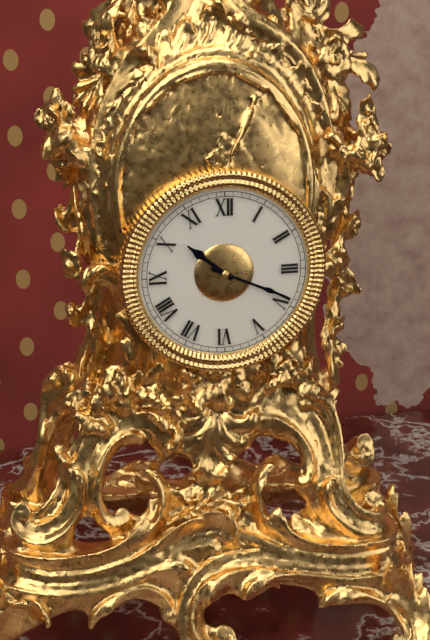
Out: {"hour": 10, "minute": 19}
